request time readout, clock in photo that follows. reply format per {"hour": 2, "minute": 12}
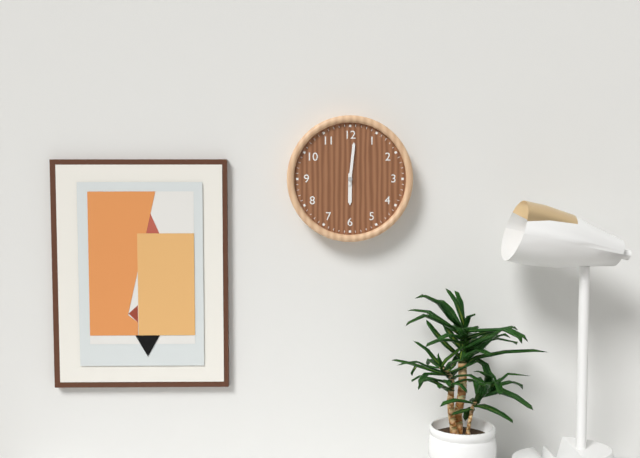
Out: {"hour": 6, "minute": 1}
